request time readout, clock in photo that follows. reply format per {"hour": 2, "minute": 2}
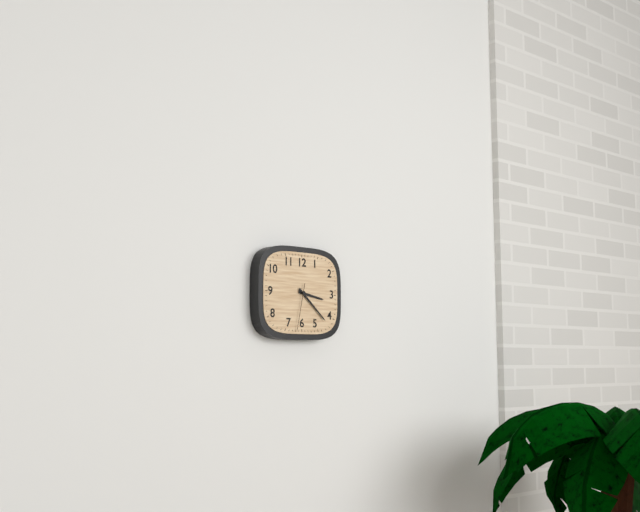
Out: {"hour": 3, "minute": 22}
